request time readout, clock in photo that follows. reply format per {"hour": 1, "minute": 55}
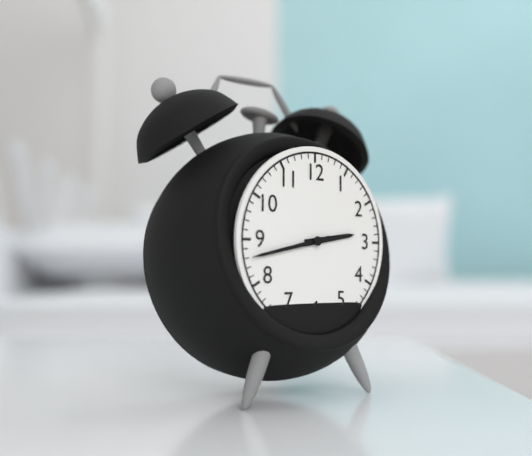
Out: {"hour": 2, "minute": 43}
